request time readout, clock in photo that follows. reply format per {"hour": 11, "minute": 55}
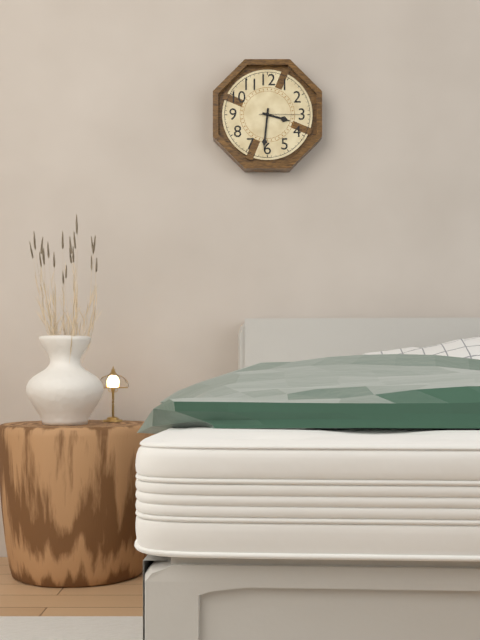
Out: {"hour": 3, "minute": 31}
